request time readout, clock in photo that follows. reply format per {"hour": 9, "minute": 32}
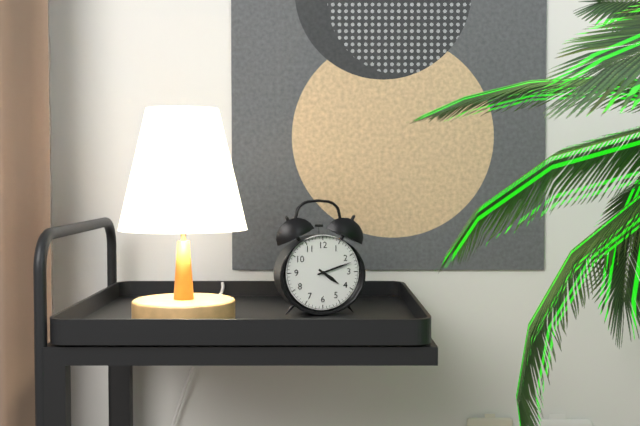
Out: {"hour": 4, "minute": 12}
